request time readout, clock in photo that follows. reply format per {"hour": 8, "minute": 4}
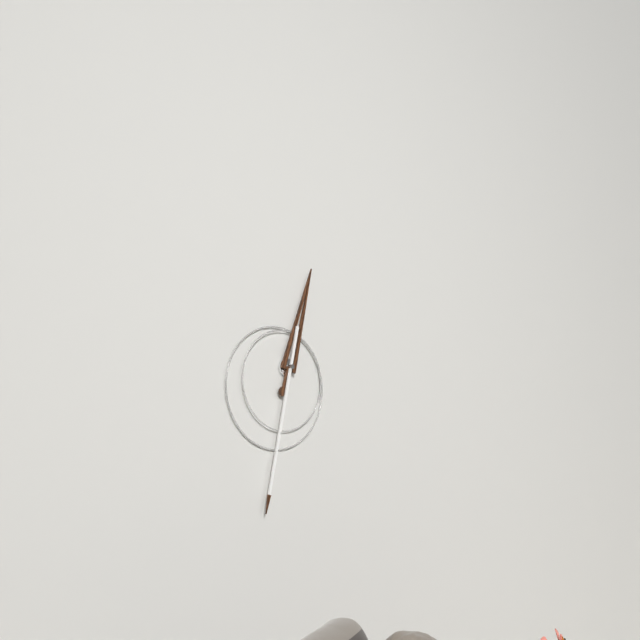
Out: {"hour": 12, "minute": 32}
